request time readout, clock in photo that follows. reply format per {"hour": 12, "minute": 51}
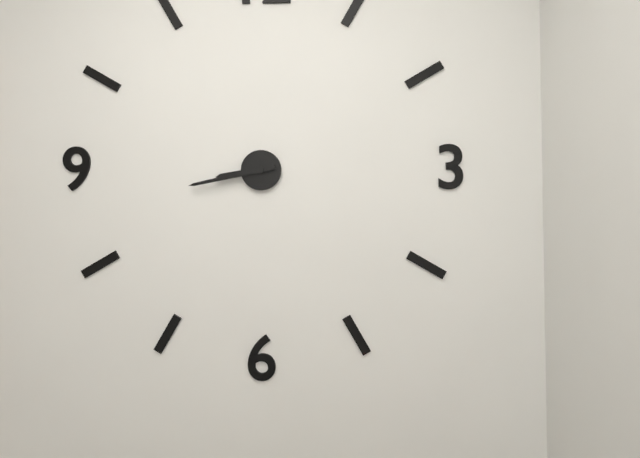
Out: {"hour": 8, "minute": 43}
